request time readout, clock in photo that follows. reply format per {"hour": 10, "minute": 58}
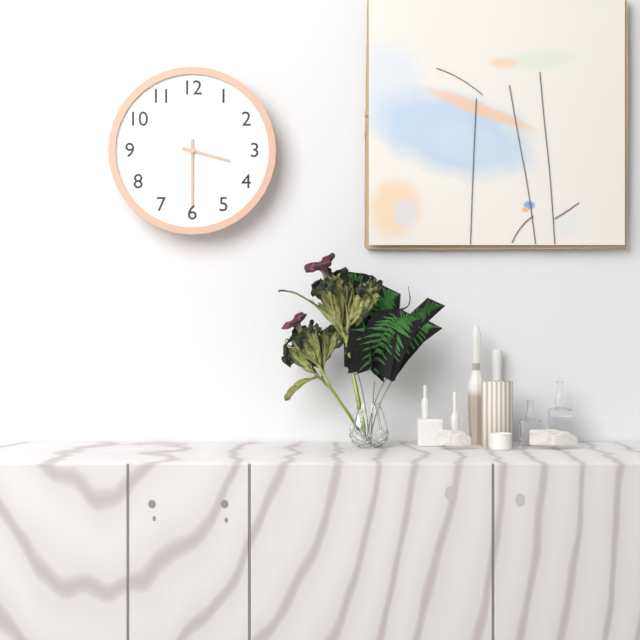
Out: {"hour": 3, "minute": 30}
